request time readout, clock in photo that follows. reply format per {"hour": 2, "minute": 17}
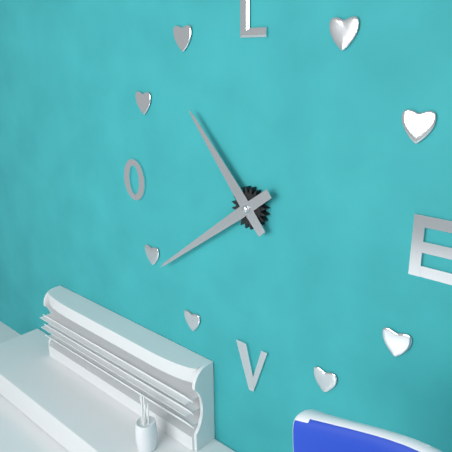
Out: {"hour": 10, "minute": 39}
